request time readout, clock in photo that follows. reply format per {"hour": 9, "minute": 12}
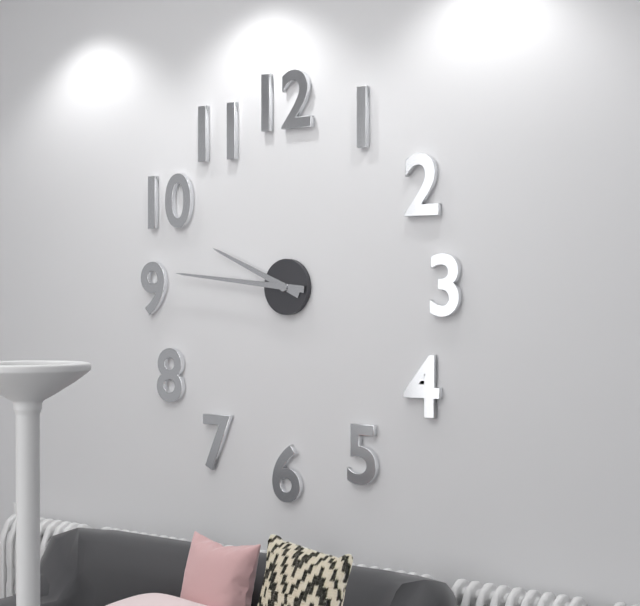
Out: {"hour": 9, "minute": 46}
